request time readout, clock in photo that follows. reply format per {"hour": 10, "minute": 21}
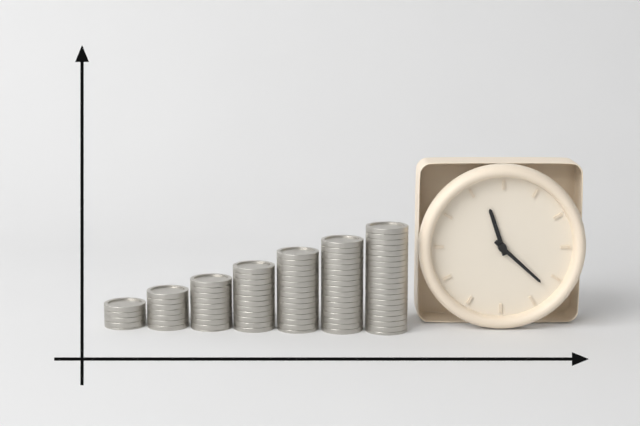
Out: {"hour": 11, "minute": 22}
